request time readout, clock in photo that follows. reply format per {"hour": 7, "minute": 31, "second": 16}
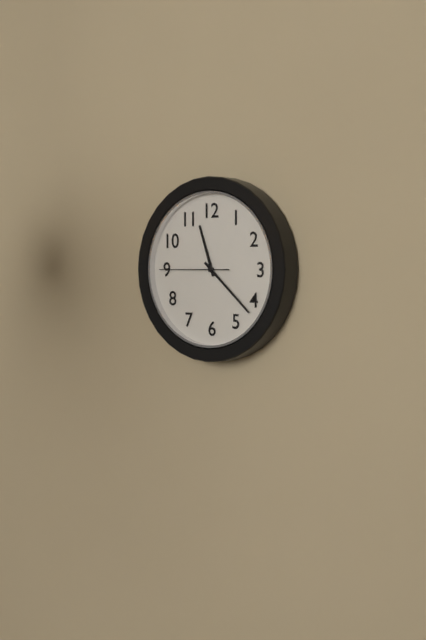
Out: {"hour": 11, "minute": 22, "second": 45}
